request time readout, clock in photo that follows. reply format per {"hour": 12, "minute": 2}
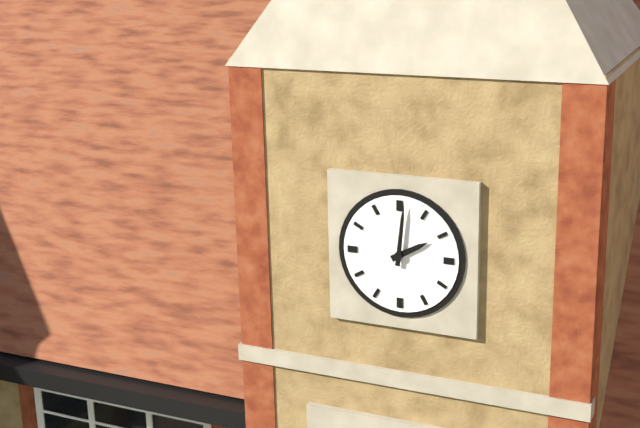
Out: {"hour": 2, "minute": 1}
